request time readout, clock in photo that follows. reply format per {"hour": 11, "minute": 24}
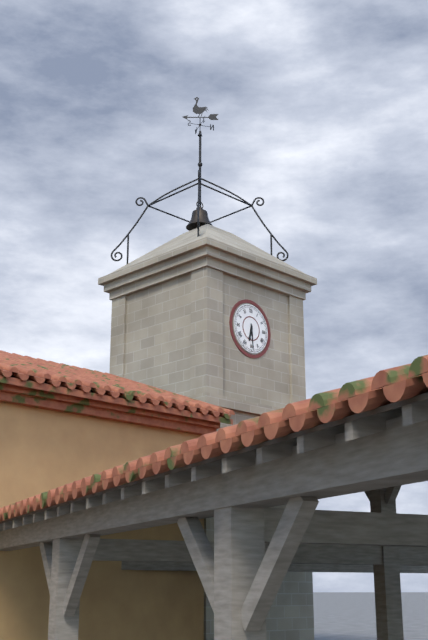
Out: {"hour": 6, "minute": 29}
